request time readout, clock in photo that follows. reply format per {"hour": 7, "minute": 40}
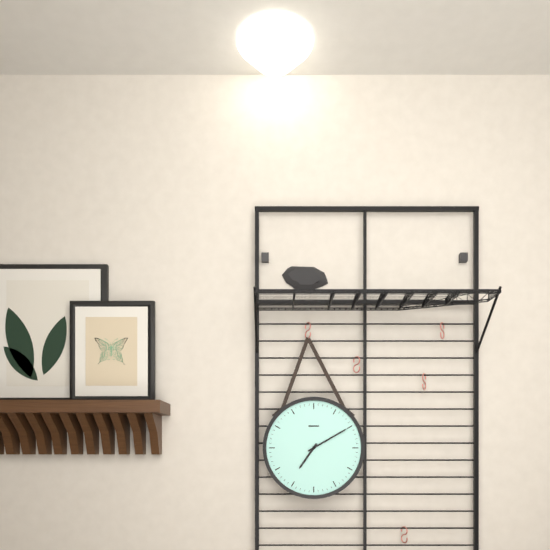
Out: {"hour": 7, "minute": 10}
